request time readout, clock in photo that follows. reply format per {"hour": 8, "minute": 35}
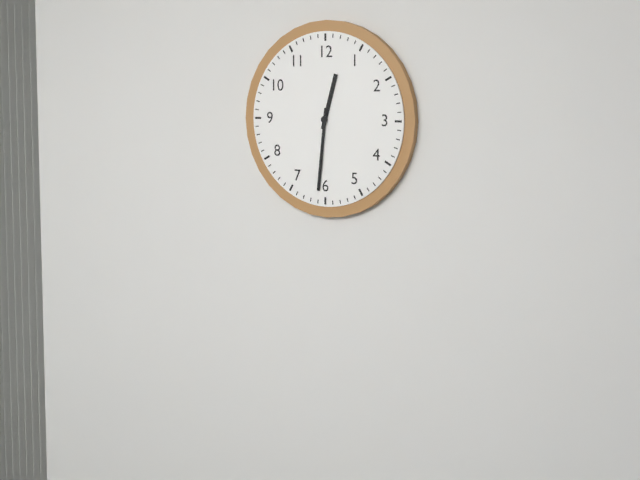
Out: {"hour": 12, "minute": 31}
